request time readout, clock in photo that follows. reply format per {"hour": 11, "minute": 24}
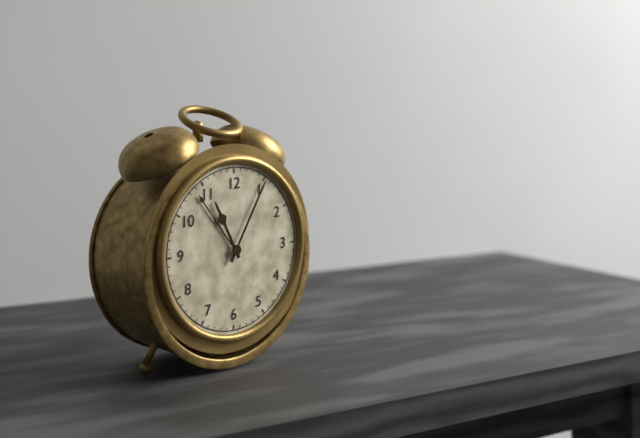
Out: {"hour": 11, "minute": 5}
